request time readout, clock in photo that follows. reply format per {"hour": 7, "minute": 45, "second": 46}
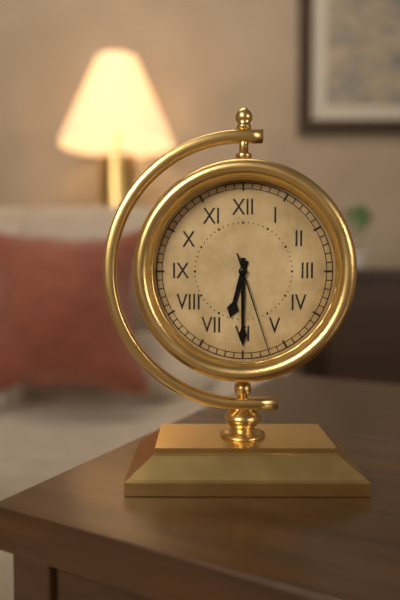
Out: {"hour": 6, "minute": 30, "second": 27}
